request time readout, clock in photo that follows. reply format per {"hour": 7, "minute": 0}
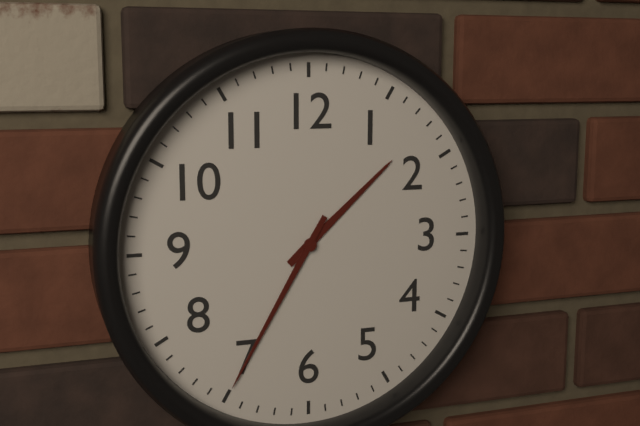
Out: {"hour": 1, "minute": 35}
